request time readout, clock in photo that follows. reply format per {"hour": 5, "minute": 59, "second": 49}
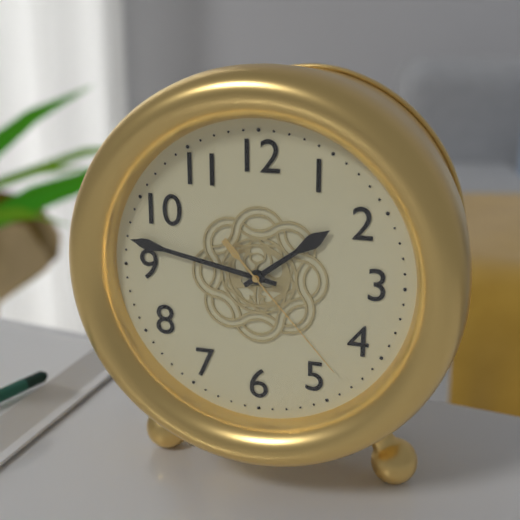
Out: {"hour": 1, "minute": 47, "second": 23}
